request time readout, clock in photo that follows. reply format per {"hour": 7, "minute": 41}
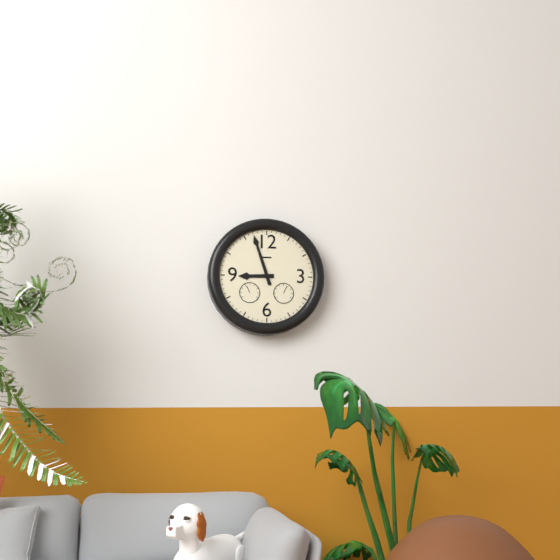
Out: {"hour": 8, "minute": 57}
